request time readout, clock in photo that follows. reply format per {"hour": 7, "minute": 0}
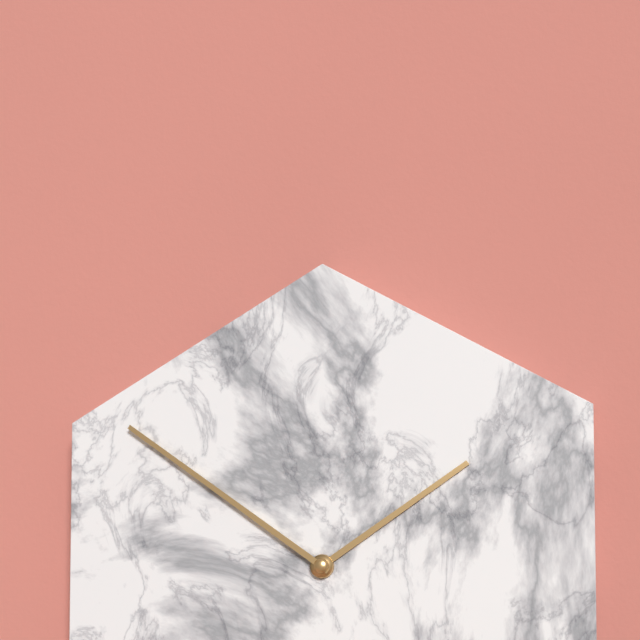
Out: {"hour": 1, "minute": 51}
